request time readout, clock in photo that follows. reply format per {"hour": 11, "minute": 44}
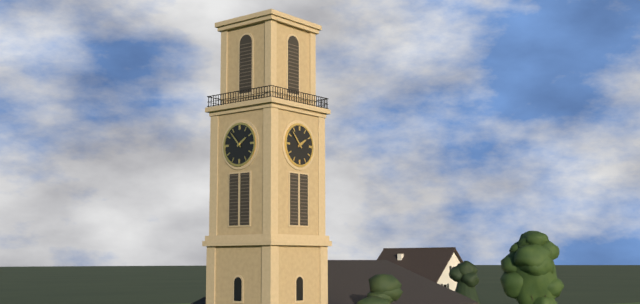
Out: {"hour": 1, "minute": 53}
